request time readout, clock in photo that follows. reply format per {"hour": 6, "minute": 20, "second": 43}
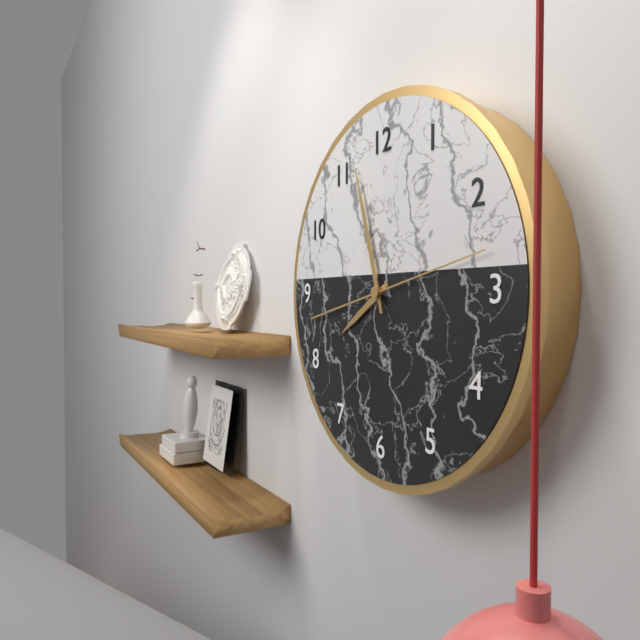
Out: {"hour": 7, "minute": 57, "second": 13}
